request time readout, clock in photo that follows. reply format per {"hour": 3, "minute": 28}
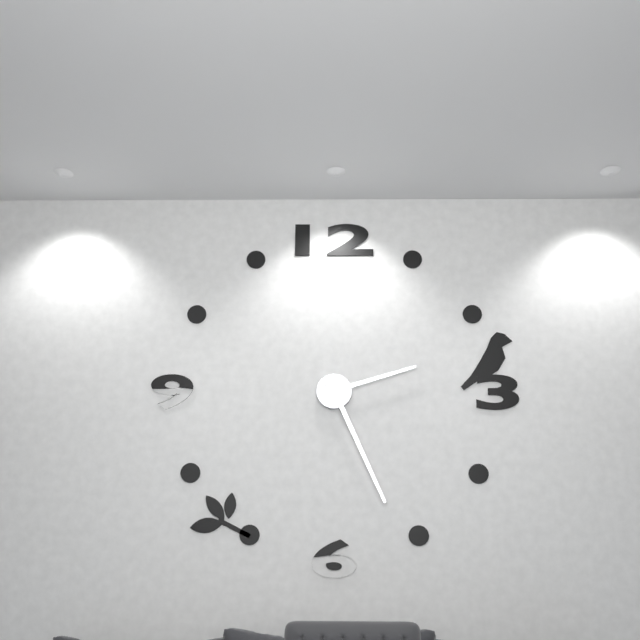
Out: {"hour": 2, "minute": 26}
